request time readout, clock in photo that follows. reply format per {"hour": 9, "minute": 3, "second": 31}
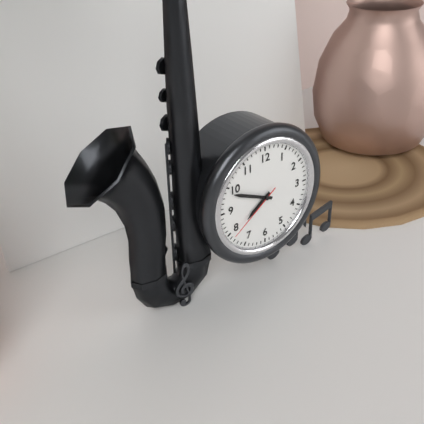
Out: {"hour": 7, "minute": 49, "second": 39}
